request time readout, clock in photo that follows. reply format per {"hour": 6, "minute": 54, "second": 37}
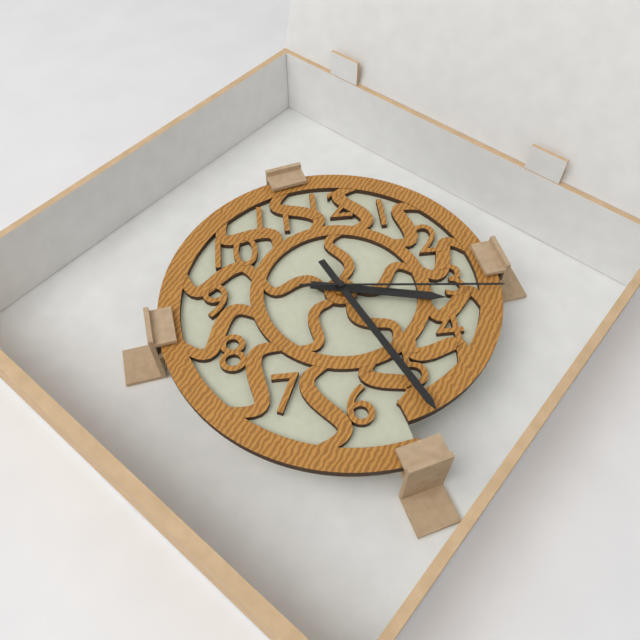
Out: {"hour": 3, "minute": 26, "second": 16}
